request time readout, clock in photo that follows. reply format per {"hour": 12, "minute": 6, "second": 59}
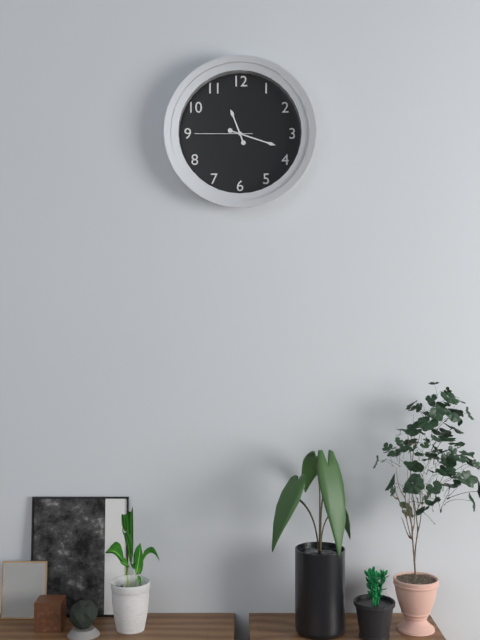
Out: {"hour": 11, "minute": 18, "second": 45}
